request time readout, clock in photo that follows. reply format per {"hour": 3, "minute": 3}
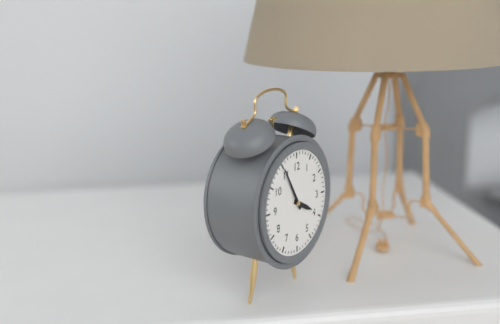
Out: {"hour": 3, "minute": 55}
